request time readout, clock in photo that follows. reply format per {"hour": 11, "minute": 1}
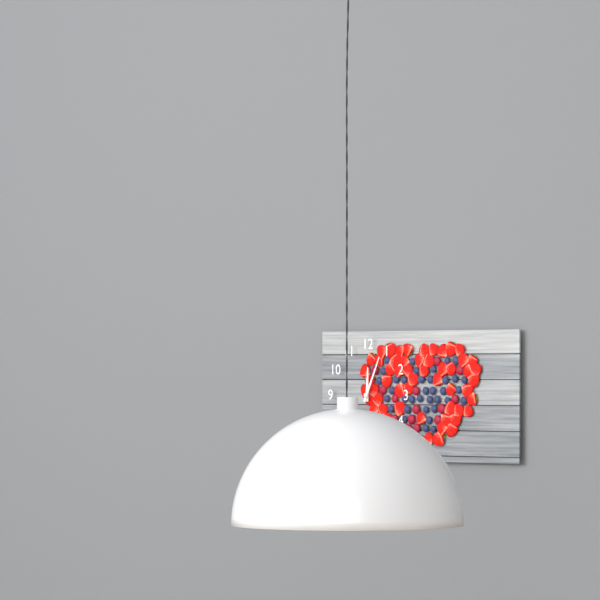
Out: {"hour": 12, "minute": 4}
